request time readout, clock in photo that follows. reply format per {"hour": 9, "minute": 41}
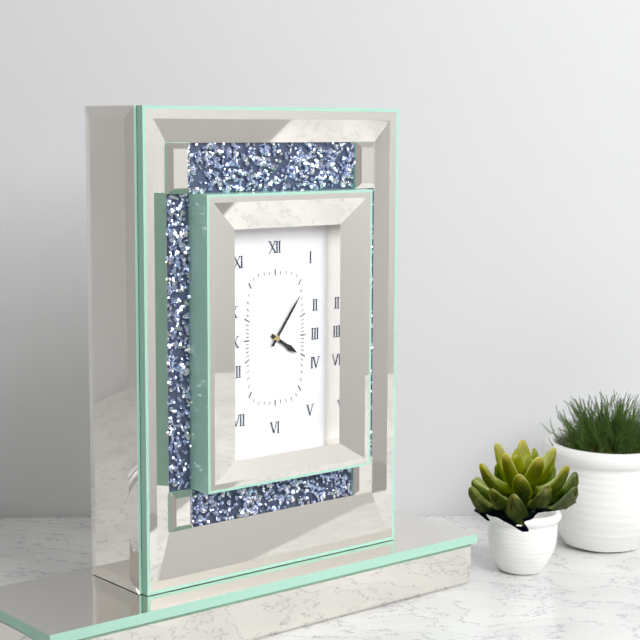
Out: {"hour": 4, "minute": 6}
